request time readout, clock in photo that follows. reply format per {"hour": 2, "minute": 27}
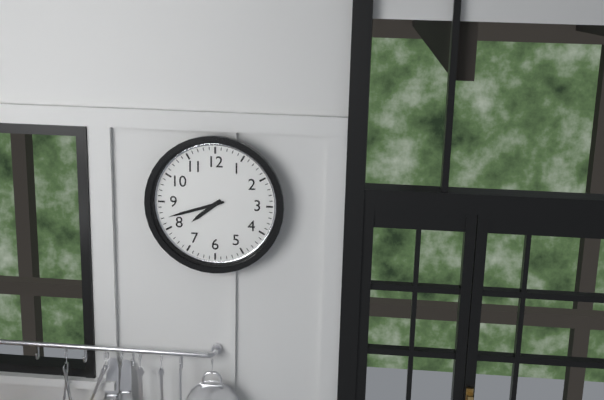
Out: {"hour": 7, "minute": 42}
